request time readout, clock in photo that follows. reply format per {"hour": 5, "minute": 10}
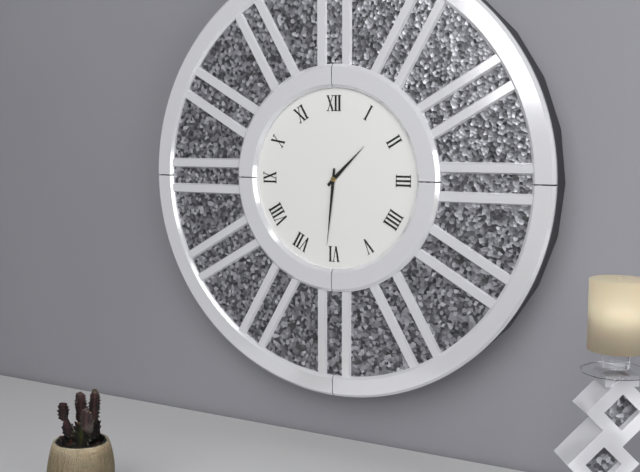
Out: {"hour": 1, "minute": 31}
